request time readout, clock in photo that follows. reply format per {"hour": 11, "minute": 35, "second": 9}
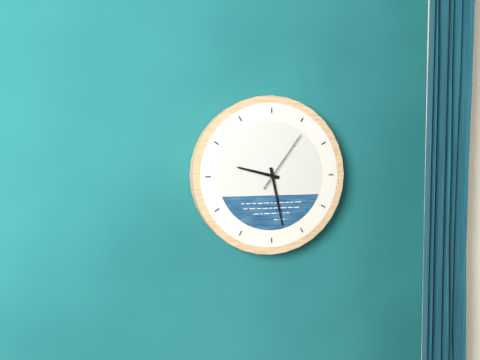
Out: {"hour": 9, "minute": 28, "second": 6}
